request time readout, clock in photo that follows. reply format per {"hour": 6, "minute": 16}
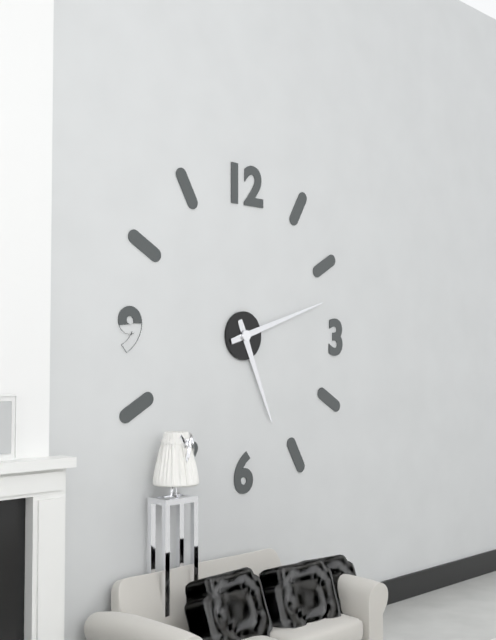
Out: {"hour": 5, "minute": 12}
